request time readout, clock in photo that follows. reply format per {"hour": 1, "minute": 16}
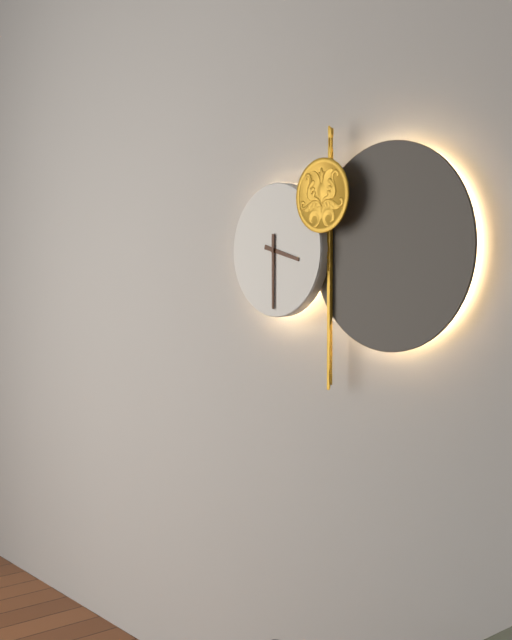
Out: {"hour": 3, "minute": 30}
